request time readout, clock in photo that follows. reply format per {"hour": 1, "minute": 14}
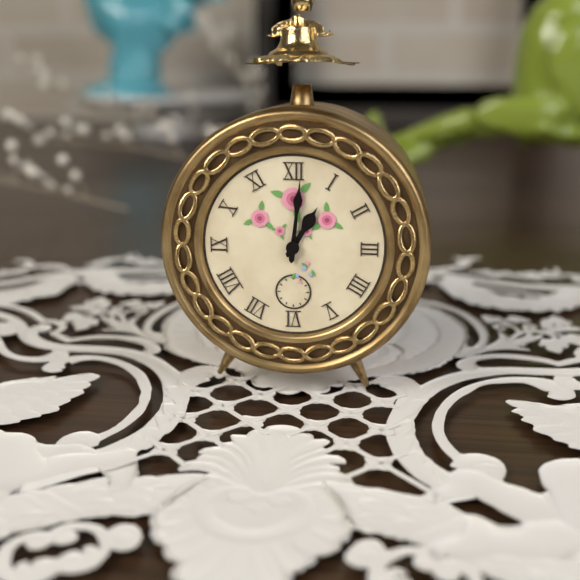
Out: {"hour": 1, "minute": 1}
